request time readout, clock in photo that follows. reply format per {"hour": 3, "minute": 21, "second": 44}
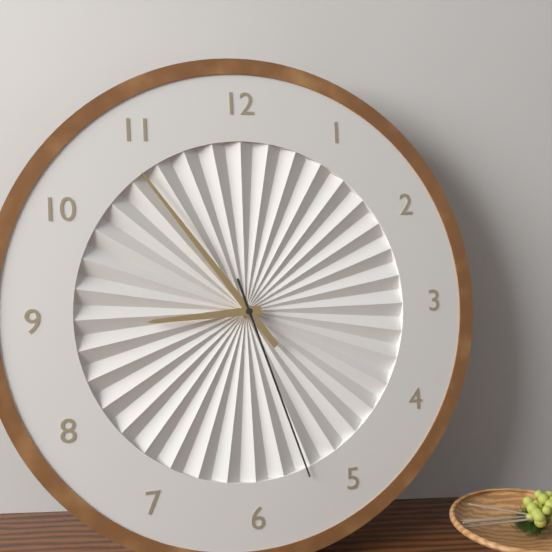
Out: {"hour": 8, "minute": 54, "second": 27}
